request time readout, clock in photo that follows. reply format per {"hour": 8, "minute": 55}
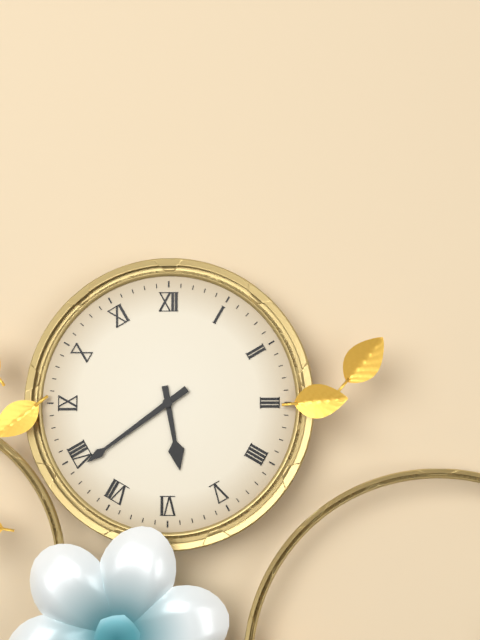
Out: {"hour": 5, "minute": 39}
